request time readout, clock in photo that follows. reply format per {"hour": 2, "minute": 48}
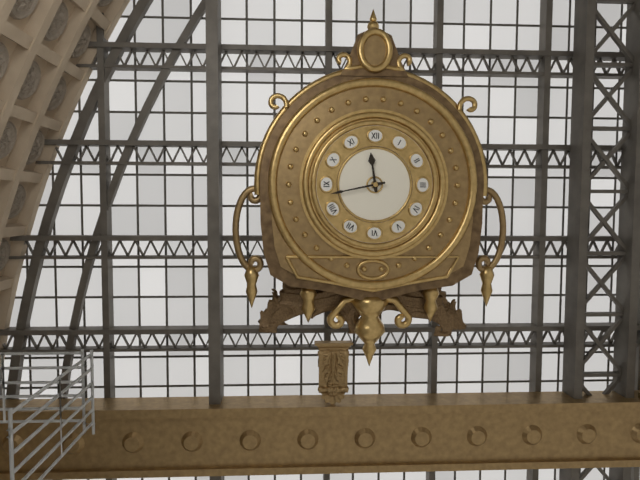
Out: {"hour": 11, "minute": 43}
